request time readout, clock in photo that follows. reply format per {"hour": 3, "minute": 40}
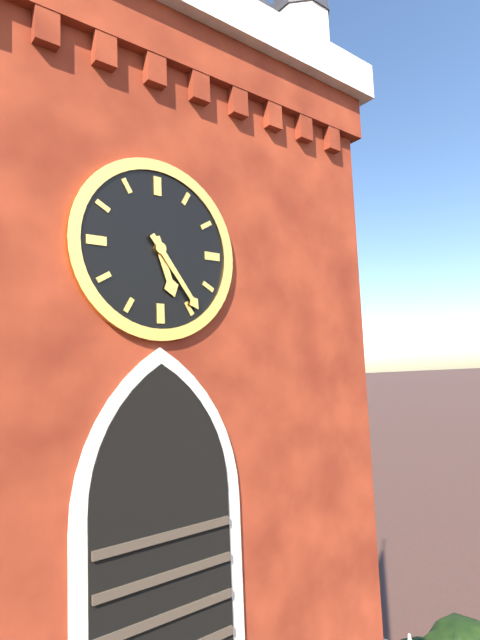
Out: {"hour": 5, "minute": 24}
